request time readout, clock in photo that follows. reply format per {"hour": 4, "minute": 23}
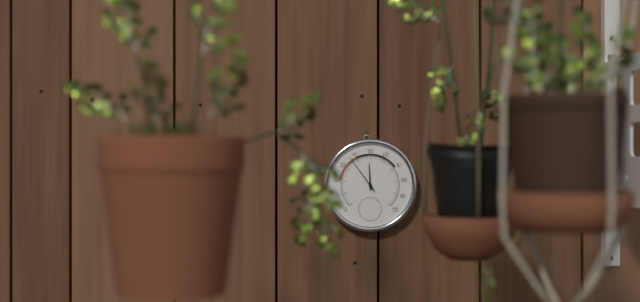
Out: {"hour": 11, "minute": 54}
